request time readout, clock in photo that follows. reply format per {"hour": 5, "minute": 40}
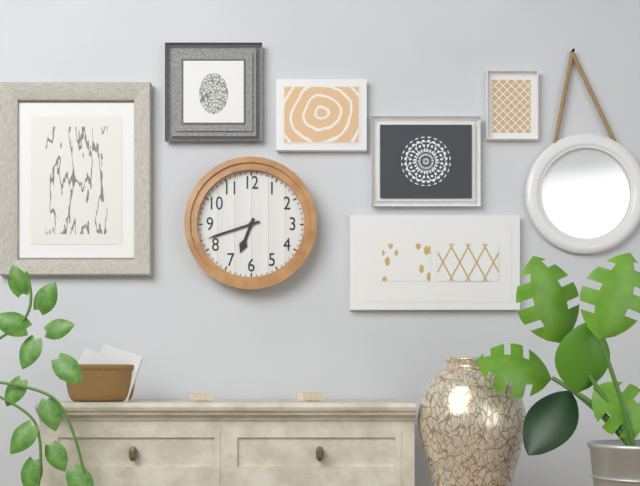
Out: {"hour": 6, "minute": 42}
